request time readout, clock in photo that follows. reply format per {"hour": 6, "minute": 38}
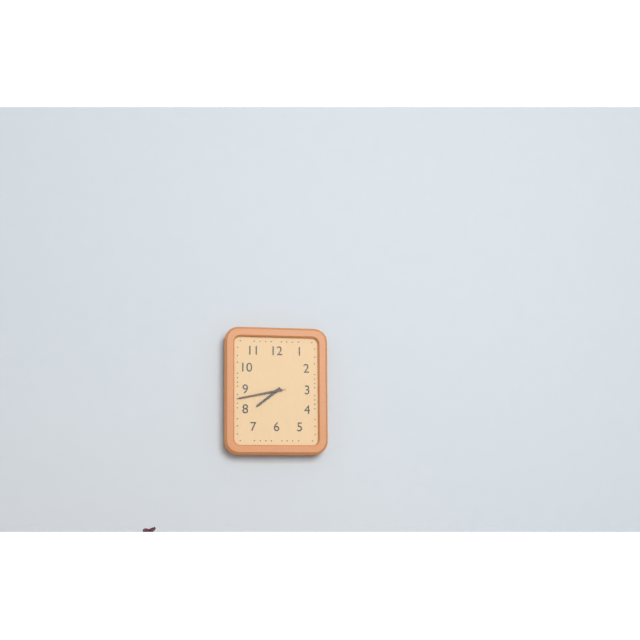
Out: {"hour": 7, "minute": 43}
